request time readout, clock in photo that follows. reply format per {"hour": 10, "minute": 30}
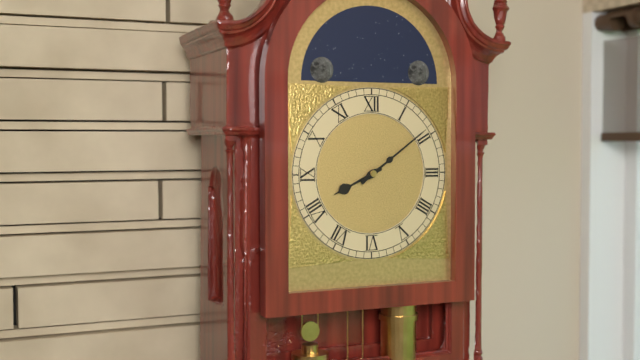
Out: {"hour": 8, "minute": 9}
